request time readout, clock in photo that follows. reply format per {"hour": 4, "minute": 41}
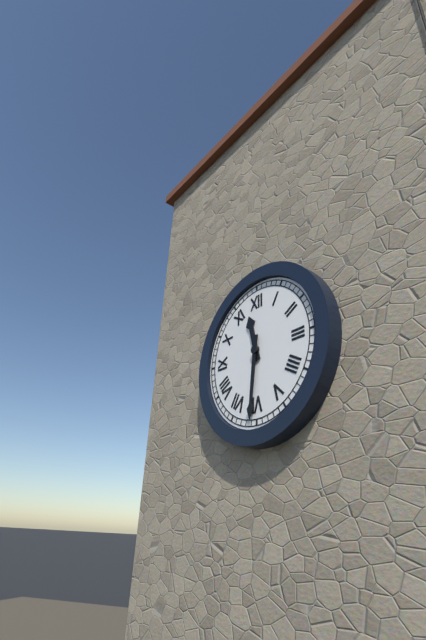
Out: {"hour": 11, "minute": 31}
